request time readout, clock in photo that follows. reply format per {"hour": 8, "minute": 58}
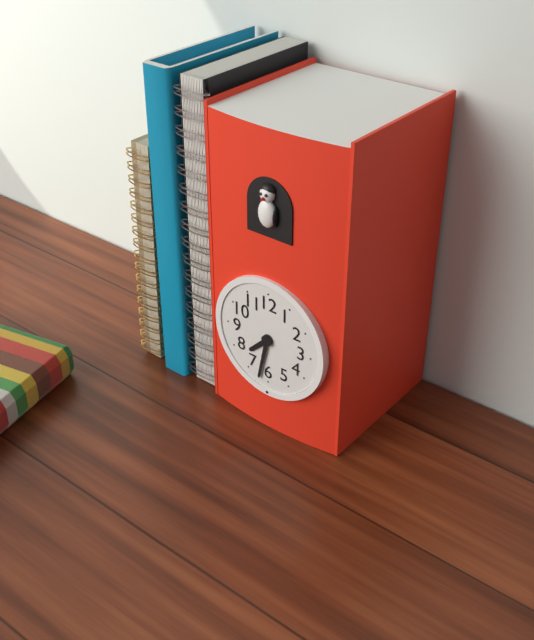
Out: {"hour": 7, "minute": 32}
